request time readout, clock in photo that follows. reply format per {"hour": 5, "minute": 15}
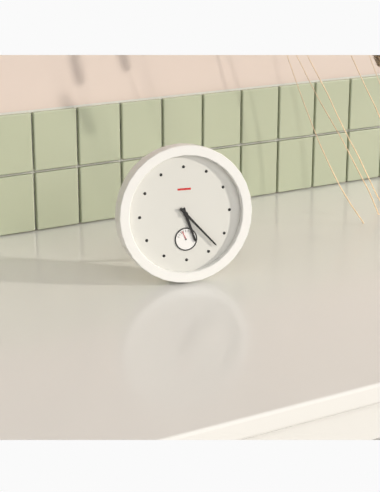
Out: {"hour": 5, "minute": 23}
